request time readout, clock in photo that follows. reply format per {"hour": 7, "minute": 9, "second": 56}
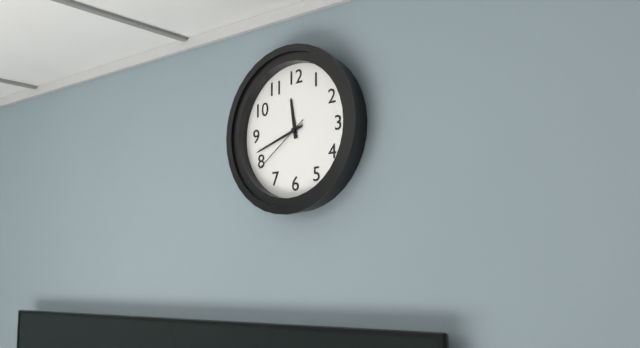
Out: {"hour": 11, "minute": 42, "second": 39}
